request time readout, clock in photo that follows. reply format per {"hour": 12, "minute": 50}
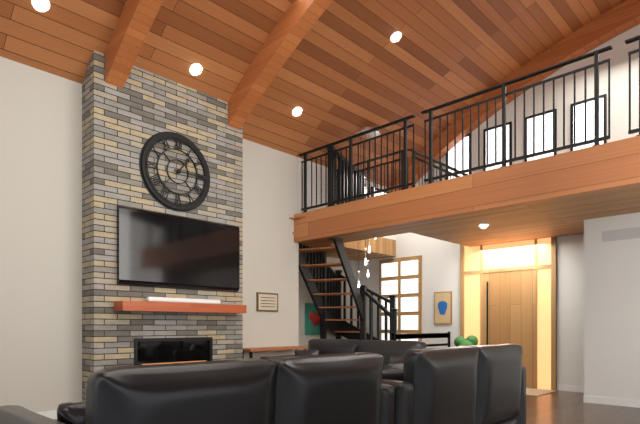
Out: {"hour": 1, "minute": 15}
